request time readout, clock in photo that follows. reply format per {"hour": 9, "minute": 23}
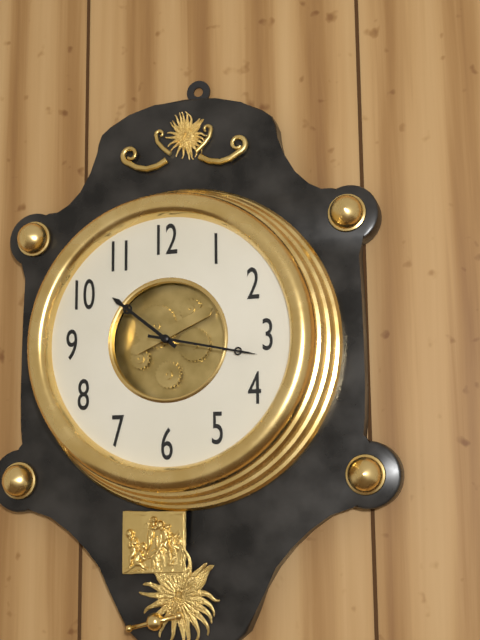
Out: {"hour": 10, "minute": 17}
